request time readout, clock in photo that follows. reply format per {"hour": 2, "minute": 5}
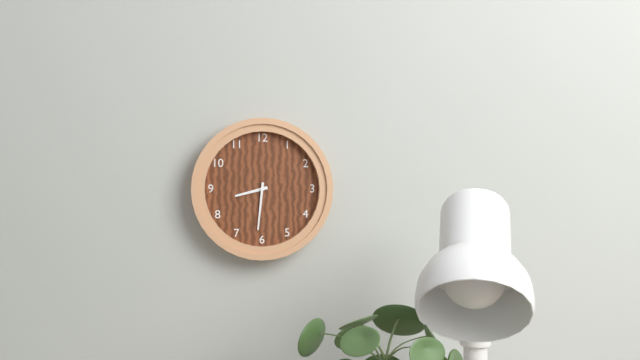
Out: {"hour": 8, "minute": 31}
